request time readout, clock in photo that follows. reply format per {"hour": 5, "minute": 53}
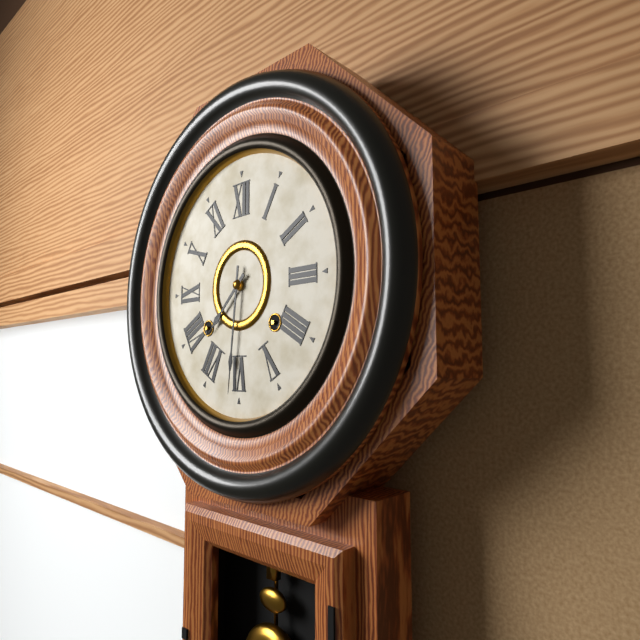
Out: {"hour": 7, "minute": 31}
